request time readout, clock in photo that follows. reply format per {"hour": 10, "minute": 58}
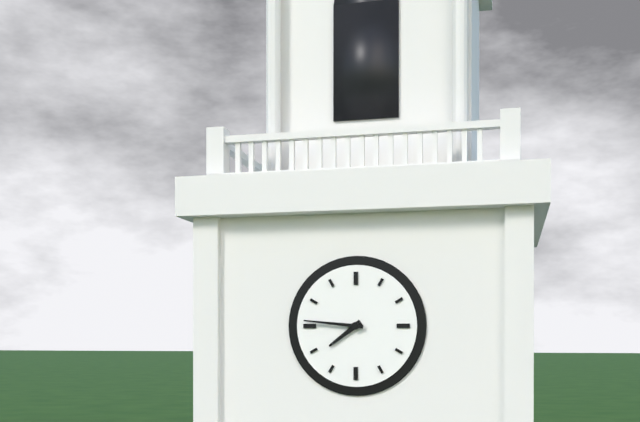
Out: {"hour": 7, "minute": 46}
